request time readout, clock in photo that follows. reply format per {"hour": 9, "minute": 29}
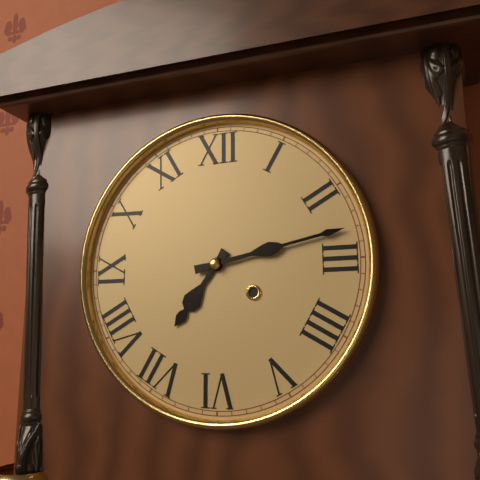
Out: {"hour": 7, "minute": 13}
